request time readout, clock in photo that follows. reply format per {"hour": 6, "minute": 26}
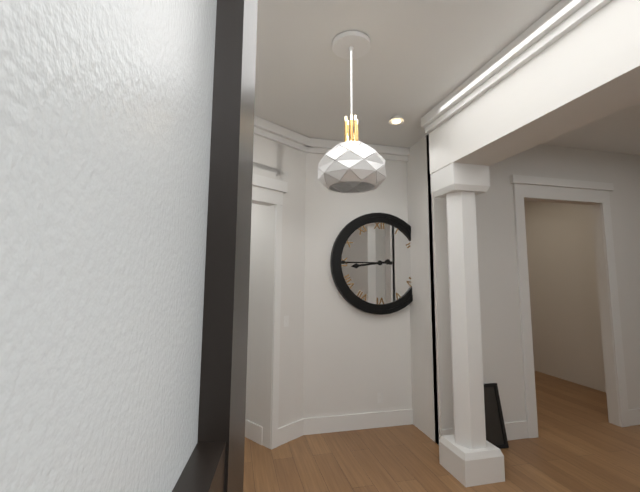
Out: {"hour": 8, "minute": 45}
